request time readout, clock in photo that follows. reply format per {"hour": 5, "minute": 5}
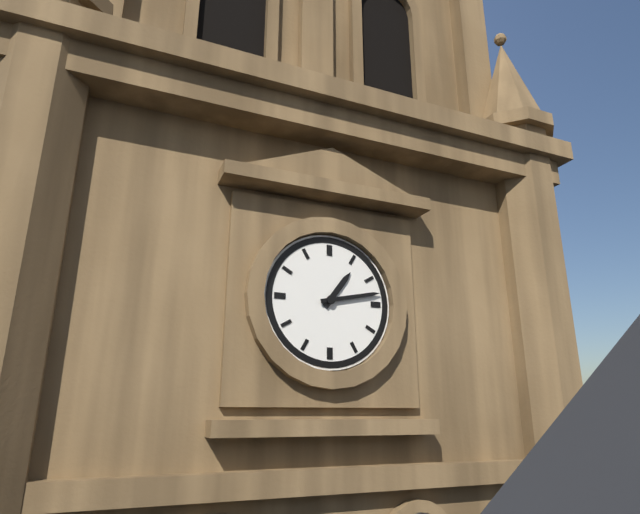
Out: {"hour": 1, "minute": 13}
